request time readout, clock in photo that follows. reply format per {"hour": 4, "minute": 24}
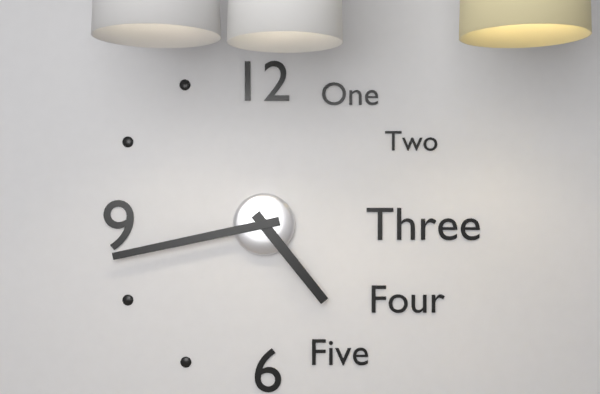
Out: {"hour": 4, "minute": 43}
